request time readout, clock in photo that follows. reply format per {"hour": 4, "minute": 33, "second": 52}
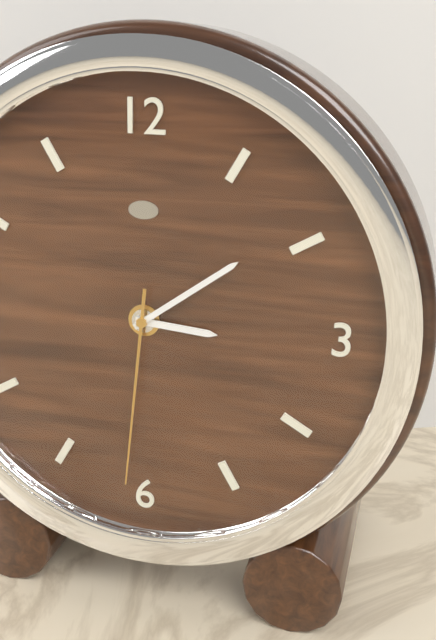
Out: {"hour": 3, "minute": 9, "second": 31}
